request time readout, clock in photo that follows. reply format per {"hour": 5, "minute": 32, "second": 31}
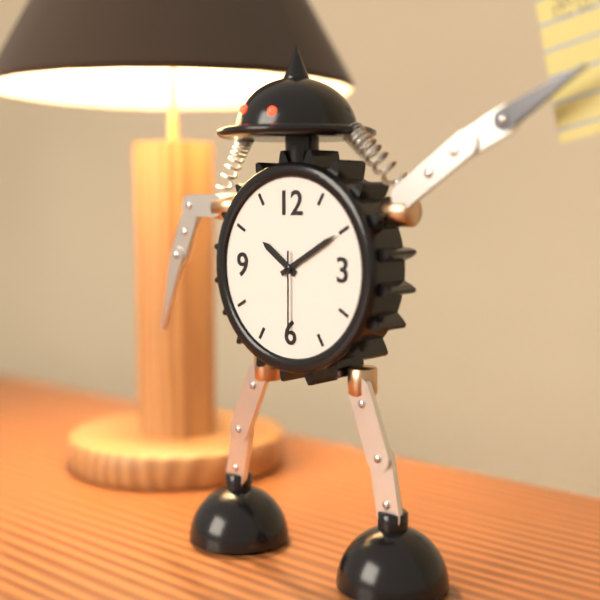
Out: {"hour": 10, "minute": 10, "second": 30}
